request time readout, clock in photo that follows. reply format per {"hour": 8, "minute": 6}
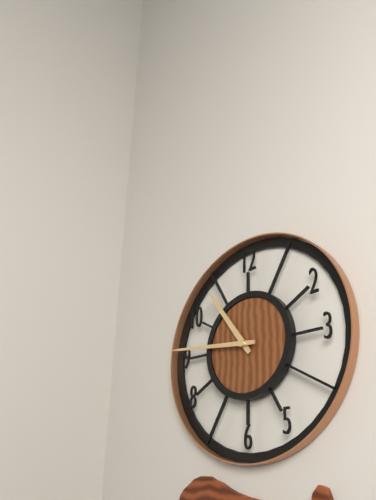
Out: {"hour": 10, "minute": 46}
